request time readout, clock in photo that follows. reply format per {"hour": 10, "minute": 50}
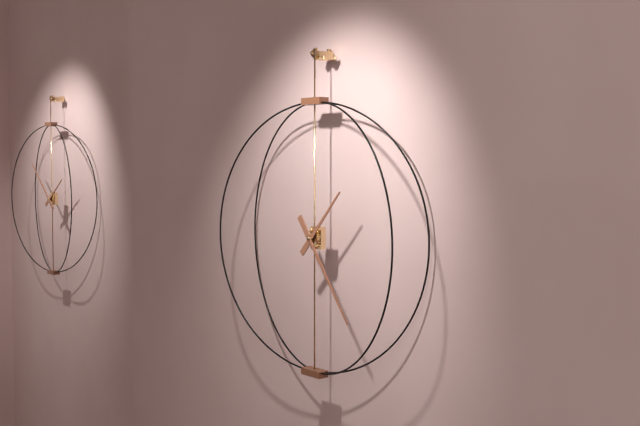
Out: {"hour": 1, "minute": 24}
